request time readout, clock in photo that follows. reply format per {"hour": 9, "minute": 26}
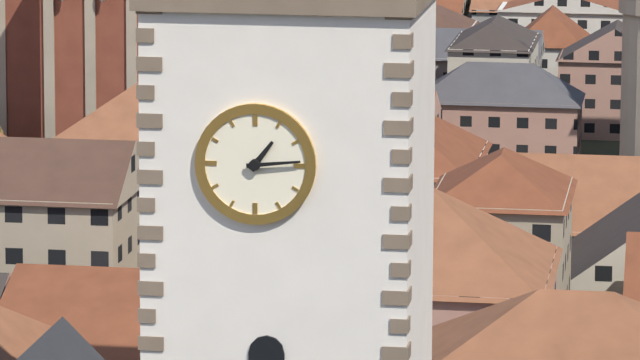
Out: {"hour": 1, "minute": 14}
